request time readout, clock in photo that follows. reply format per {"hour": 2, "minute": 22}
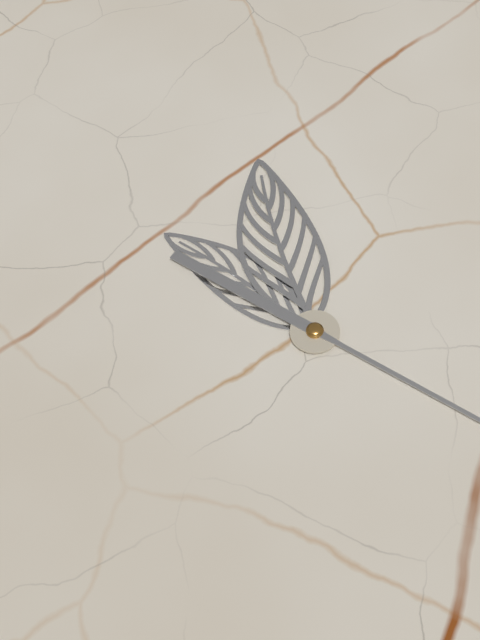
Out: {"hour": 3, "minute": 23}
